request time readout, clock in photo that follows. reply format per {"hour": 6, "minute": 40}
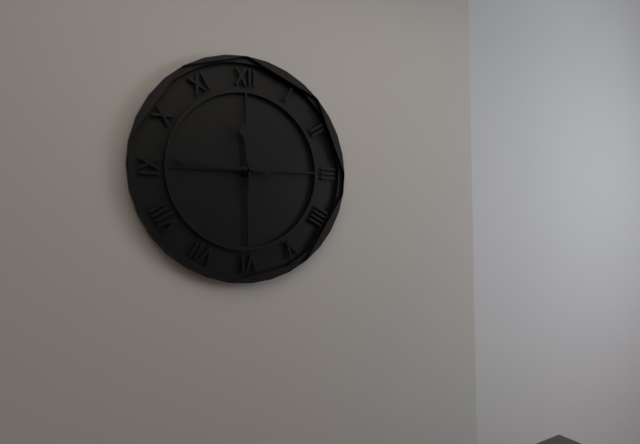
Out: {"hour": 11, "minute": 46}
